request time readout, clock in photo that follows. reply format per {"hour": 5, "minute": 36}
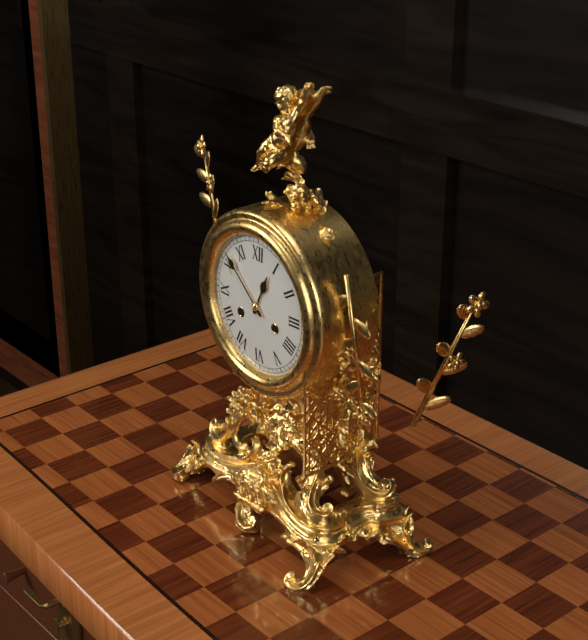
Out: {"hour": 12, "minute": 52}
